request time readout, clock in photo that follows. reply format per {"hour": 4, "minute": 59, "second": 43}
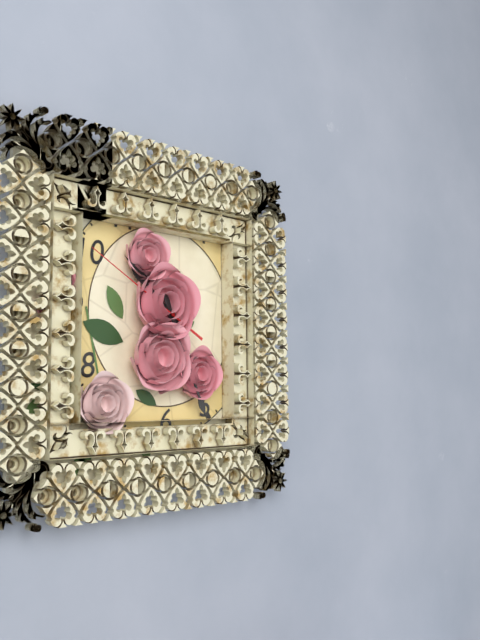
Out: {"hour": 10, "minute": 26, "second": 50}
